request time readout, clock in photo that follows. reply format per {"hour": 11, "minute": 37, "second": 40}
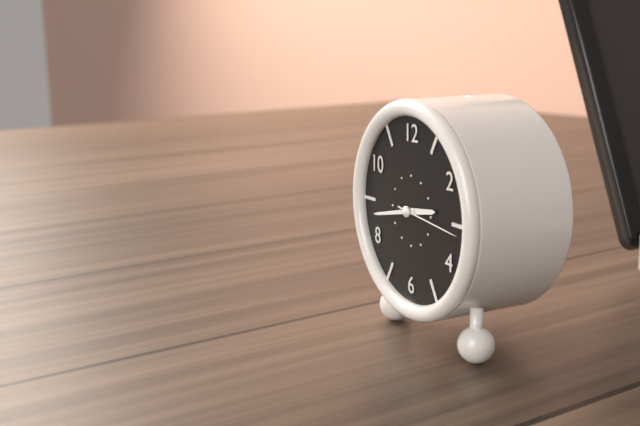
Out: {"hour": 2, "minute": 43, "second": 16}
